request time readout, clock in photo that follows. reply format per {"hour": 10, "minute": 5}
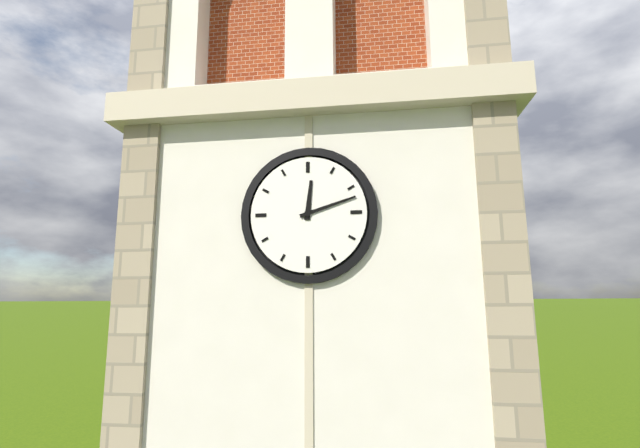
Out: {"hour": 12, "minute": 12}
